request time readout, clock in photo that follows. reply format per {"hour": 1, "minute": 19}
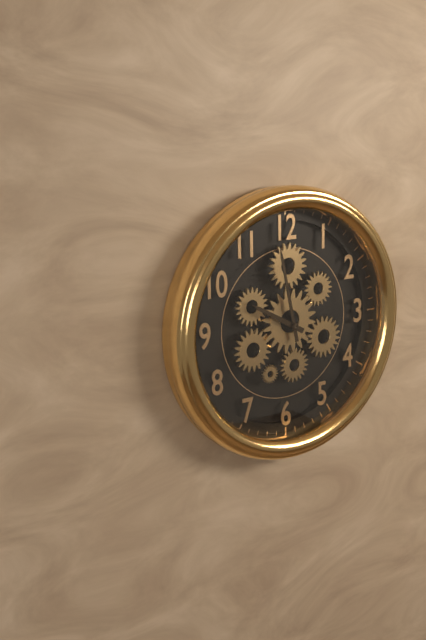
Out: {"hour": 9, "minute": 58}
